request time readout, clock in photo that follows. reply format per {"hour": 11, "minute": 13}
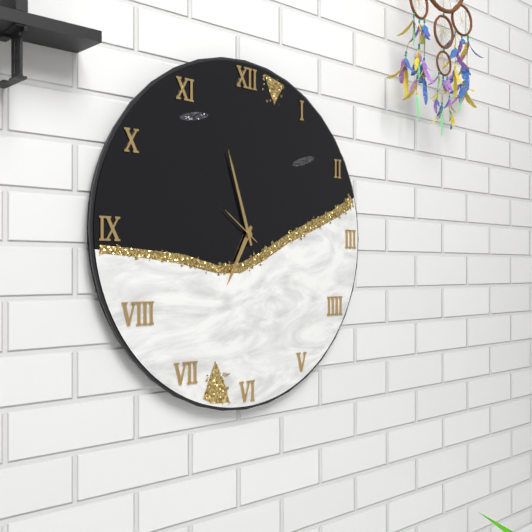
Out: {"hour": 6, "minute": 57}
